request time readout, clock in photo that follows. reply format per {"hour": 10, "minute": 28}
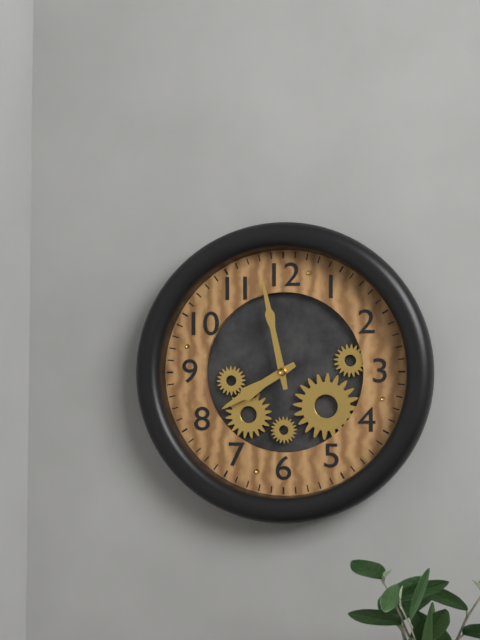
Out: {"hour": 7, "minute": 58}
